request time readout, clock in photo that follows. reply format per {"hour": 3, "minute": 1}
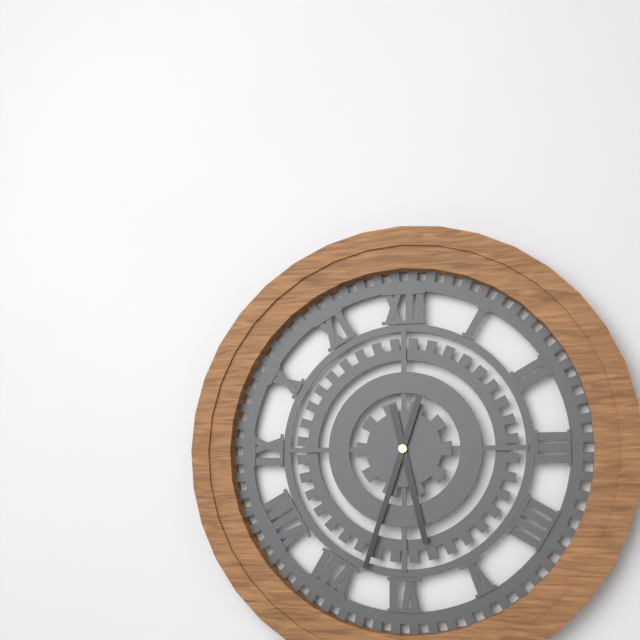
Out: {"hour": 5, "minute": 33}
